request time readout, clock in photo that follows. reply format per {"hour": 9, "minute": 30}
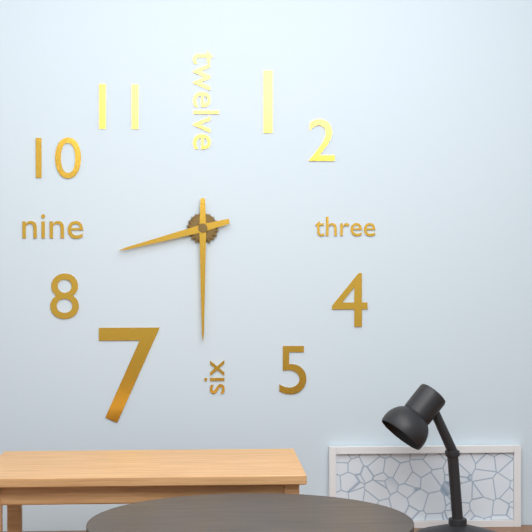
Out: {"hour": 8, "minute": 30}
